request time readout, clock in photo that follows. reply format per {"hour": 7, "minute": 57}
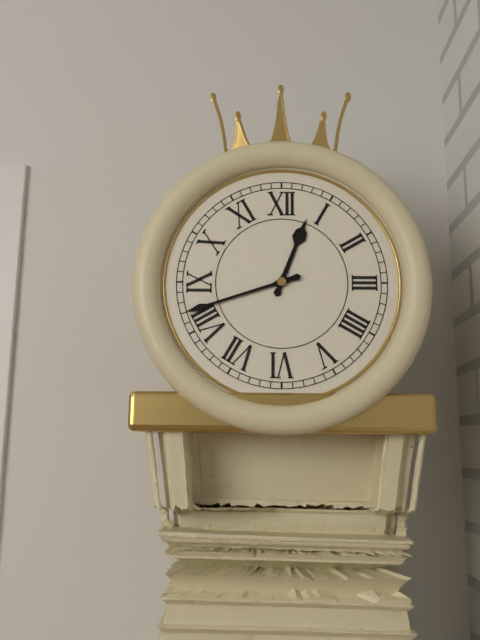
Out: {"hour": 12, "minute": 42}
